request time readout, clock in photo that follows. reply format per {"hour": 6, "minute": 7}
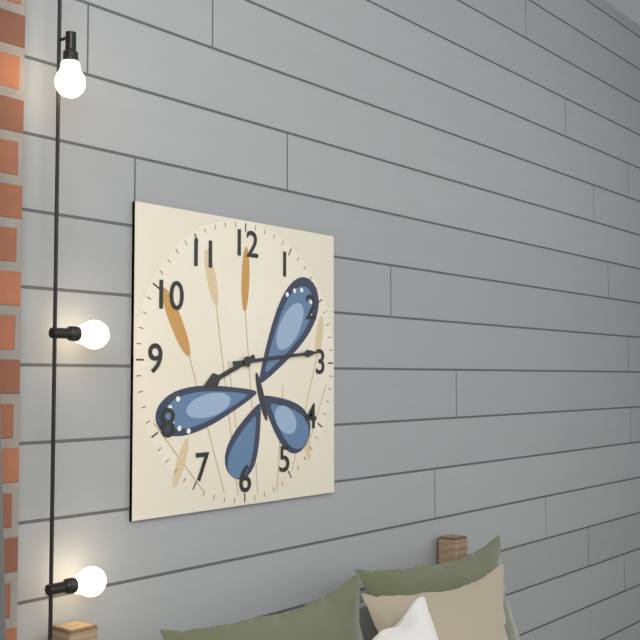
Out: {"hour": 8, "minute": 14}
